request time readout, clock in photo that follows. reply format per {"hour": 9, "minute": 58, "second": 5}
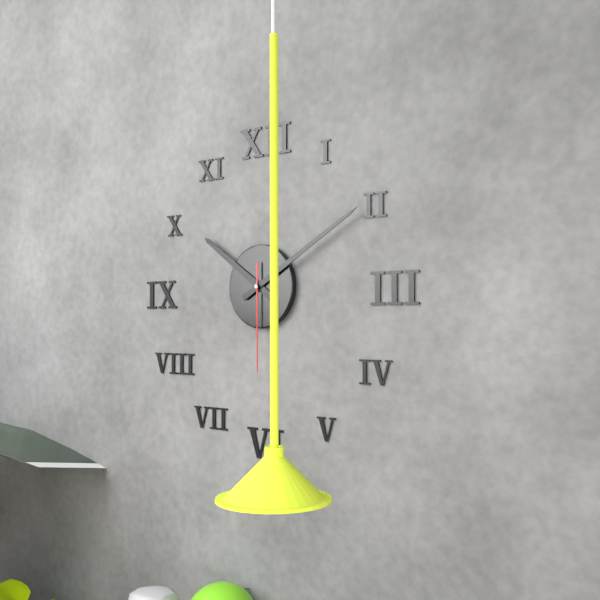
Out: {"hour": 10, "minute": 10, "second": 30}
